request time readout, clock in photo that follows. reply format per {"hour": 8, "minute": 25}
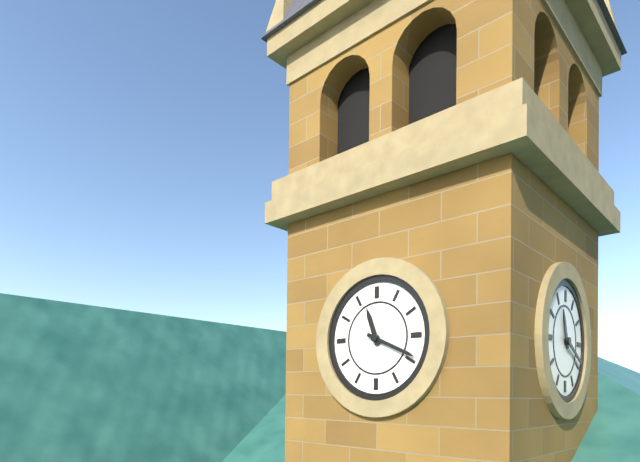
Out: {"hour": 11, "minute": 19}
